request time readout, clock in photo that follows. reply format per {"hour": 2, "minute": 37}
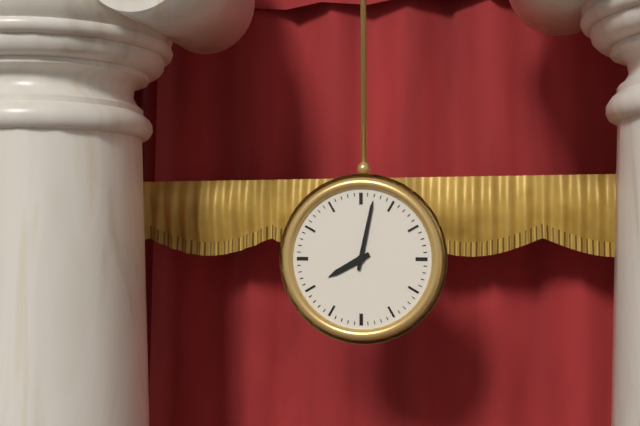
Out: {"hour": 8, "minute": 2}
